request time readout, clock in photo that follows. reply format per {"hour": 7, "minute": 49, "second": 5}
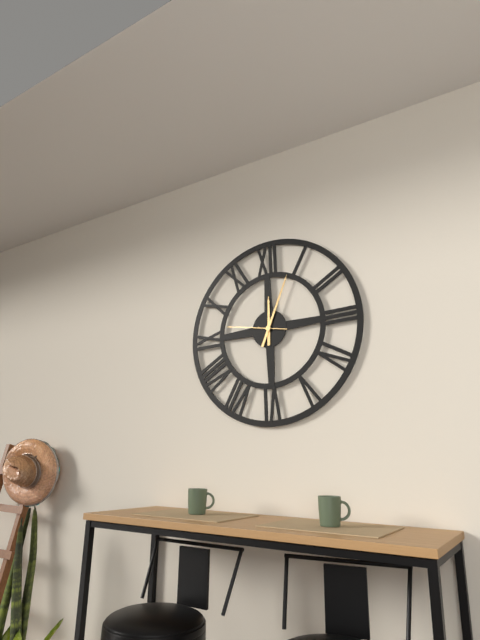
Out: {"hour": 12, "minute": 4, "second": 47}
